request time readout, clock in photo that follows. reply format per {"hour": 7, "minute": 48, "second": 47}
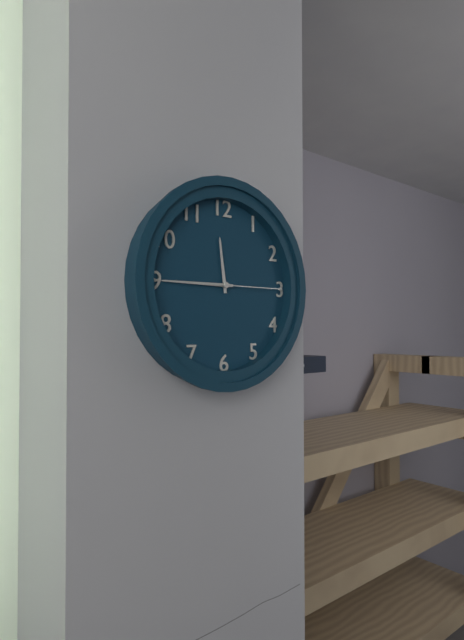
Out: {"hour": 11, "minute": 45, "second": 15}
